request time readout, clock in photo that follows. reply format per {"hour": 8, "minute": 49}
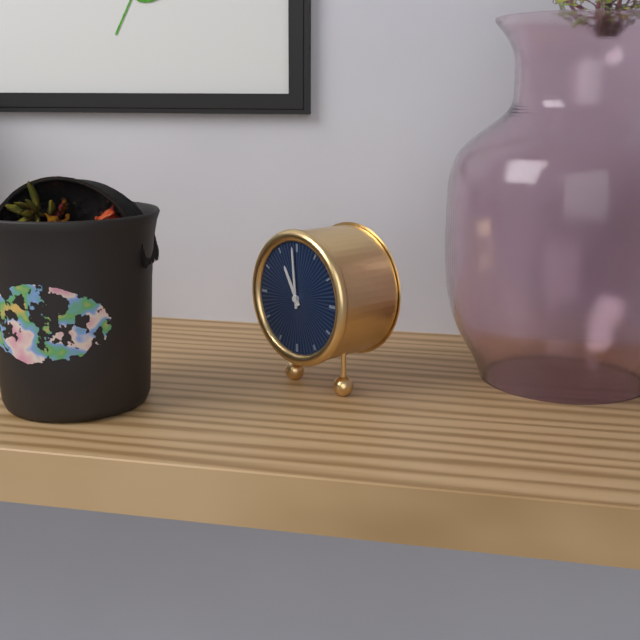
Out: {"hour": 10, "minute": 59}
